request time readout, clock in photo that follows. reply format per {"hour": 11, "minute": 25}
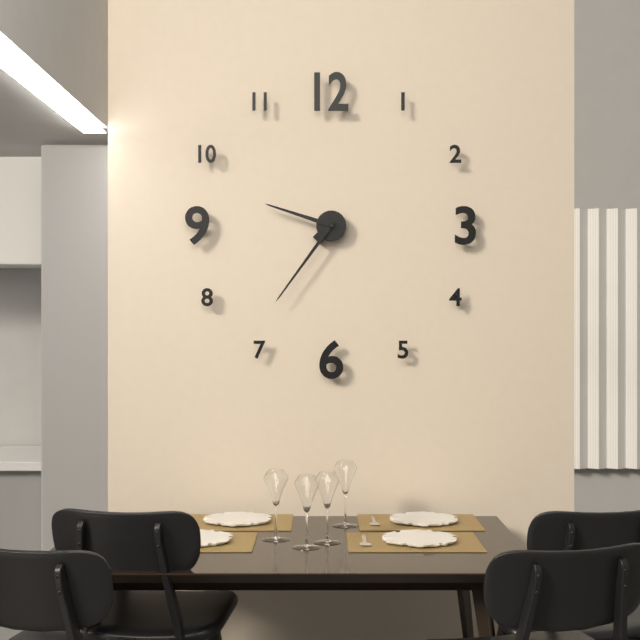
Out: {"hour": 9, "minute": 36}
